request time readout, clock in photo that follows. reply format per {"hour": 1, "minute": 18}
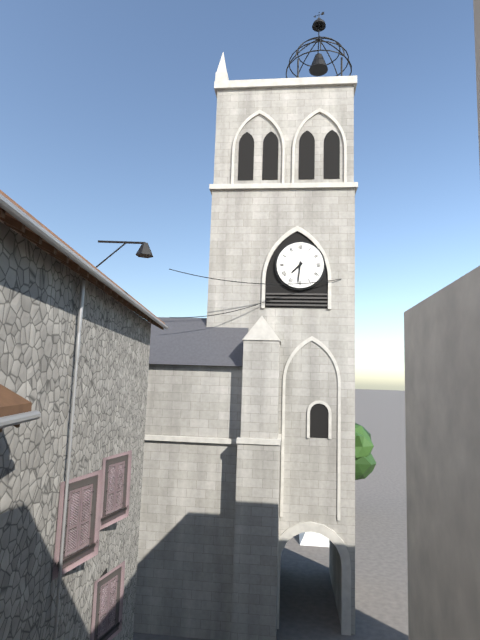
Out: {"hour": 7, "minute": 31}
